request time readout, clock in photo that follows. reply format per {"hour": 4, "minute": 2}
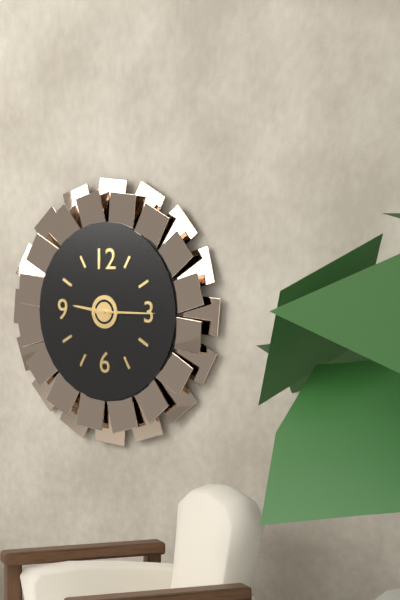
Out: {"hour": 9, "minute": 15}
